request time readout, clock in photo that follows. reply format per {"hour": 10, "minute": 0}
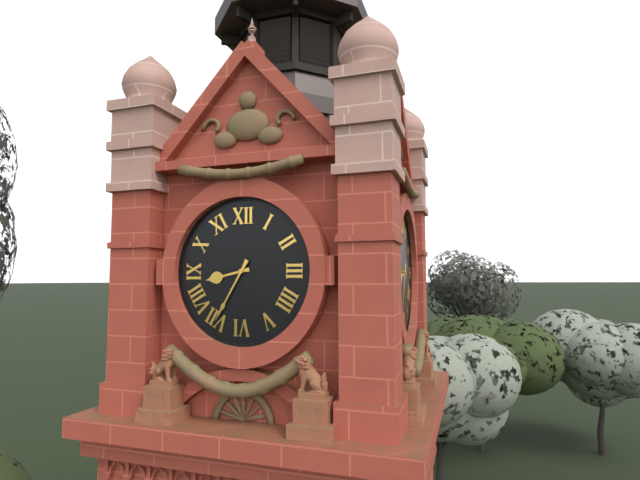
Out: {"hour": 8, "minute": 35}
